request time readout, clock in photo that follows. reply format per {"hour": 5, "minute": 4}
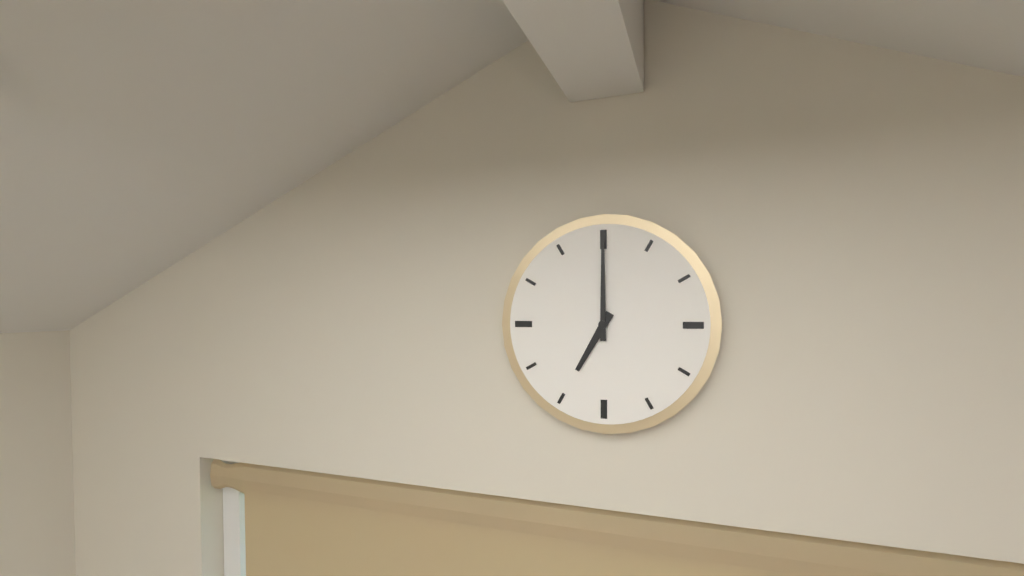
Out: {"hour": 7, "minute": 0}
